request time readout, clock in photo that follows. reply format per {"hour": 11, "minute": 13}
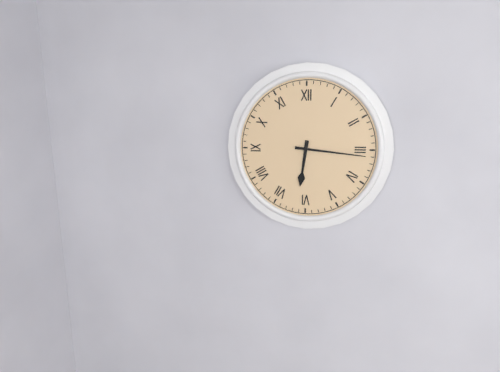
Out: {"hour": 6, "minute": 16}
